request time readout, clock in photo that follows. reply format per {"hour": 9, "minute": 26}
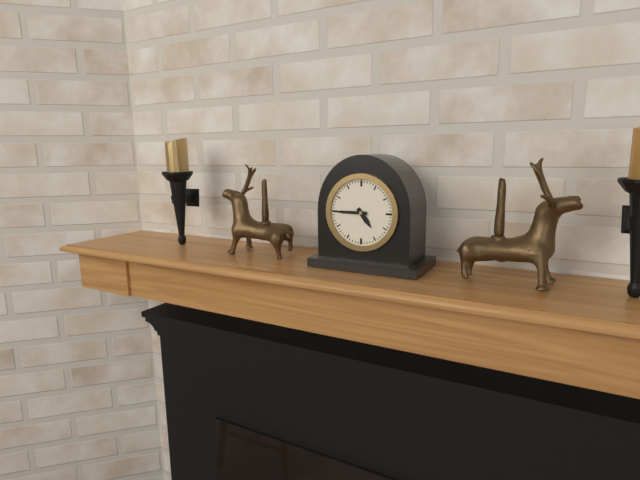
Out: {"hour": 4, "minute": 45}
